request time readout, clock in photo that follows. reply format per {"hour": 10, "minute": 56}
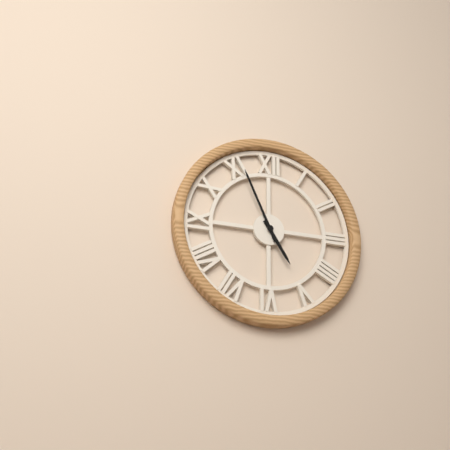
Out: {"hour": 4, "minute": 56}
